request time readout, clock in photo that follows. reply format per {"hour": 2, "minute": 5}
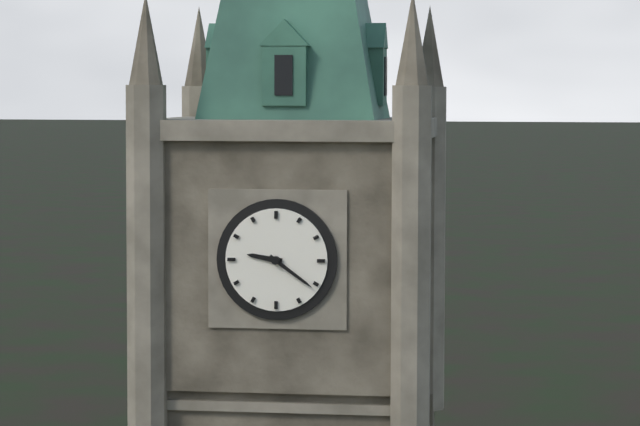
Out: {"hour": 9, "minute": 21}
